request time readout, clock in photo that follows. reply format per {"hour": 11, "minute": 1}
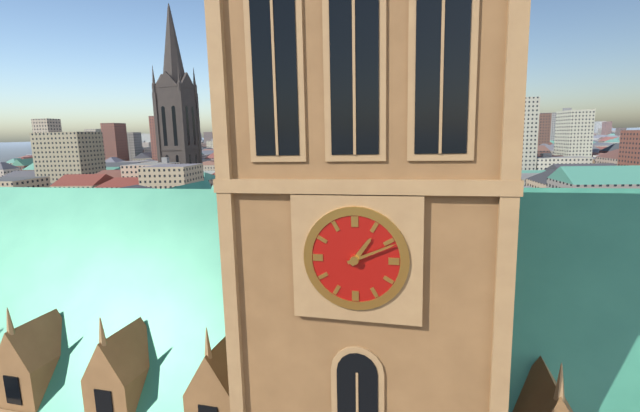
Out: {"hour": 1, "minute": 11}
